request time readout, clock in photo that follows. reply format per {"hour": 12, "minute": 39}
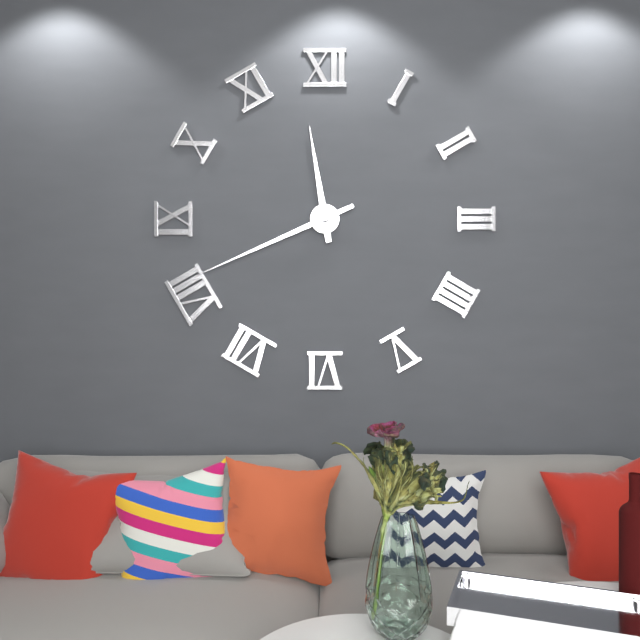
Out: {"hour": 11, "minute": 41}
